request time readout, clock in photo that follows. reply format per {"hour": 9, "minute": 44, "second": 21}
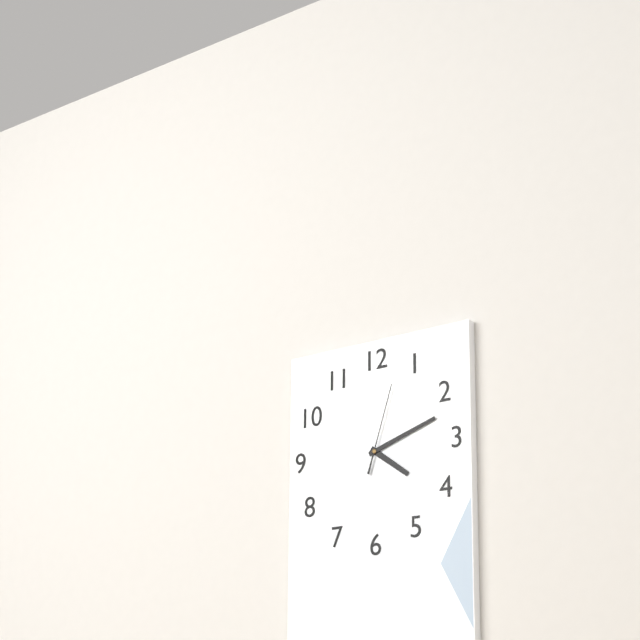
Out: {"hour": 4, "minute": 12, "second": 3}
